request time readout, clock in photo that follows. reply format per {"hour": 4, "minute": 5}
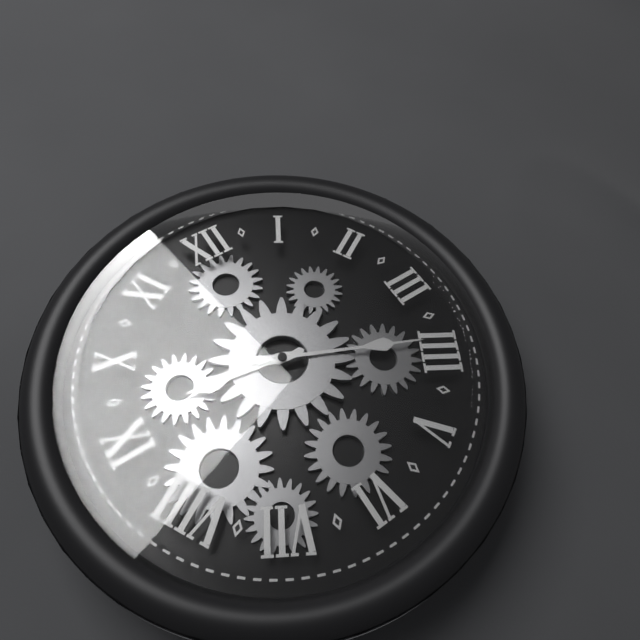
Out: {"hour": 9, "minute": 19}
